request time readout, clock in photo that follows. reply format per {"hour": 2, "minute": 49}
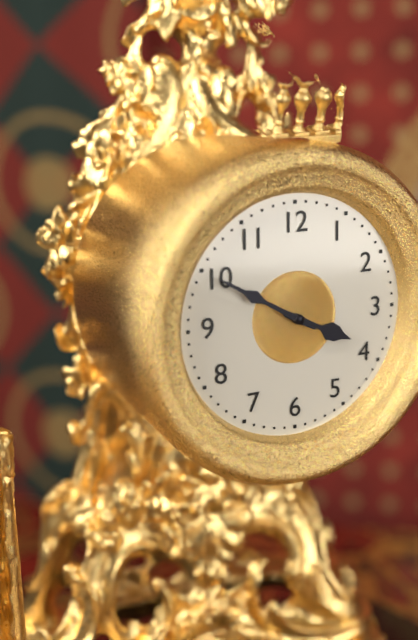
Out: {"hour": 3, "minute": 50}
